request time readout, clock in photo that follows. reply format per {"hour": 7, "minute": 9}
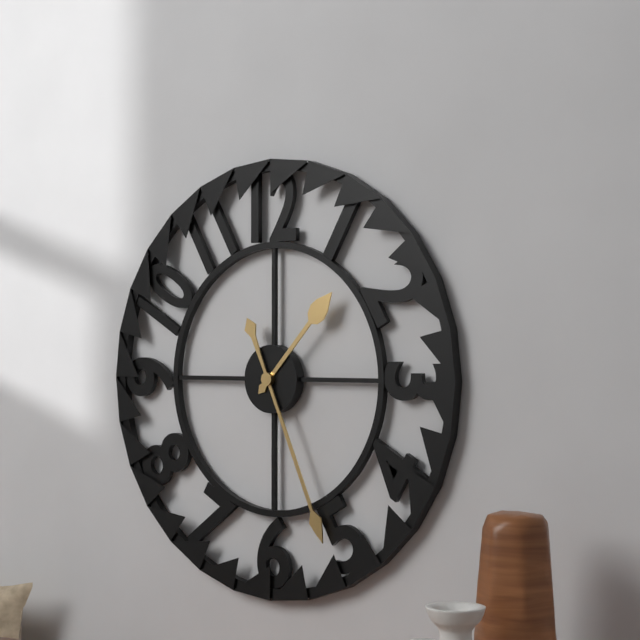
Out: {"hour": 1, "minute": 26}
